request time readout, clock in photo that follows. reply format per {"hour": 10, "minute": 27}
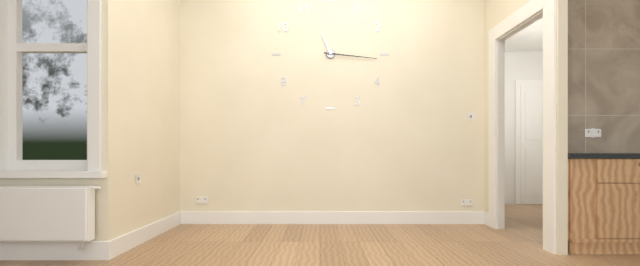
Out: {"hour": 11, "minute": 16}
